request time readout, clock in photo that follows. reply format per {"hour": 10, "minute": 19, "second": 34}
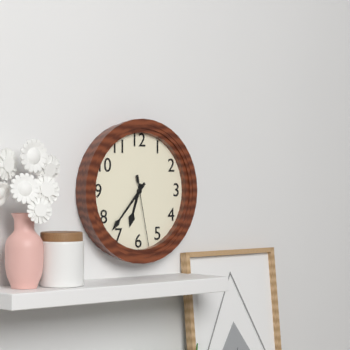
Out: {"hour": 6, "minute": 37, "second": 28}
